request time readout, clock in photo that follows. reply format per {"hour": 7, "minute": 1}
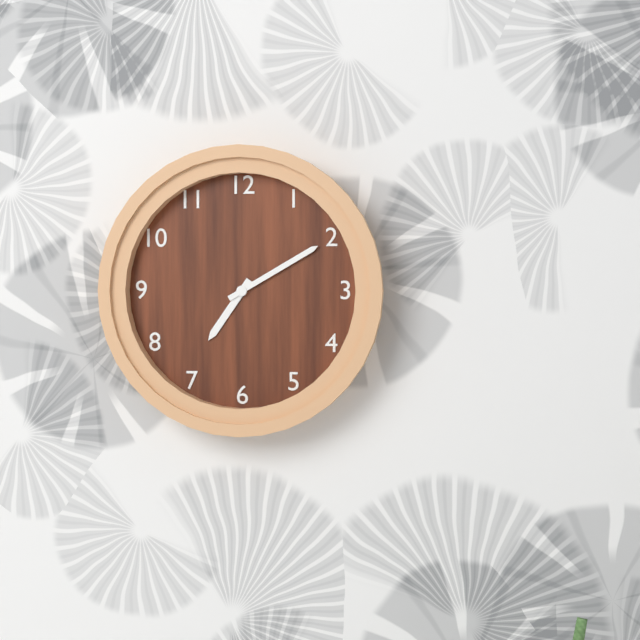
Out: {"hour": 7, "minute": 10}
